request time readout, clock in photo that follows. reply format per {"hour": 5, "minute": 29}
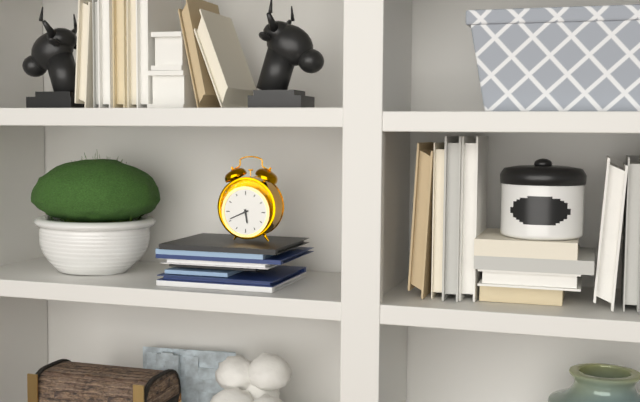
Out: {"hour": 5, "minute": 41}
